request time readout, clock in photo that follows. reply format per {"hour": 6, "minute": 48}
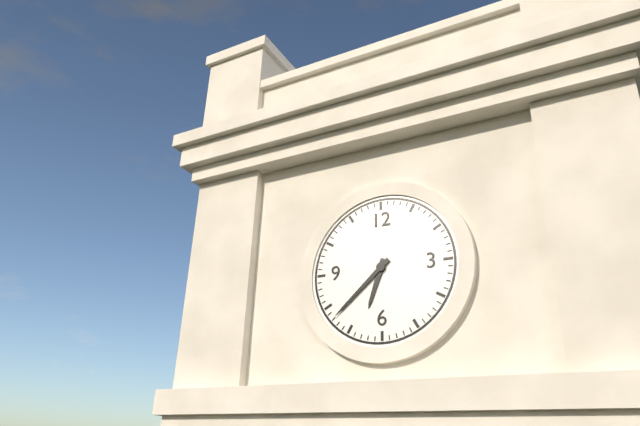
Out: {"hour": 6, "minute": 38}
